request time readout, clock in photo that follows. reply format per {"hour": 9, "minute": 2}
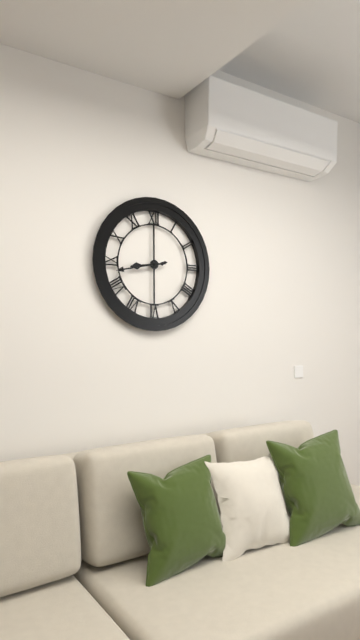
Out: {"hour": 8, "minute": 43}
